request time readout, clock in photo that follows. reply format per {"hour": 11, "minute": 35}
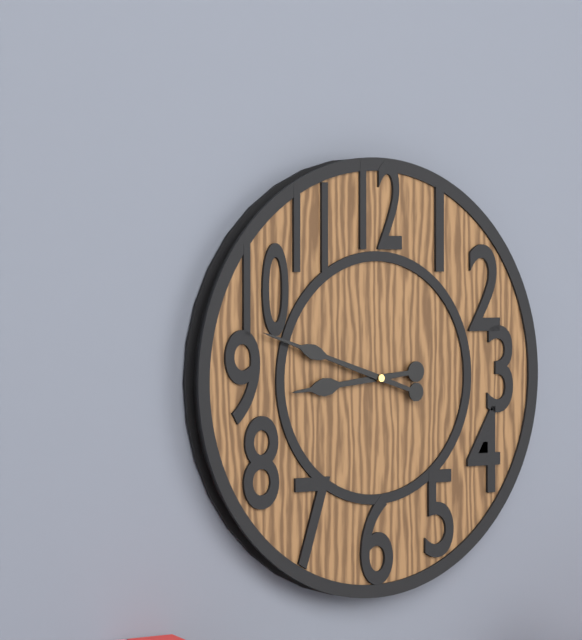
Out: {"hour": 8, "minute": 48}
